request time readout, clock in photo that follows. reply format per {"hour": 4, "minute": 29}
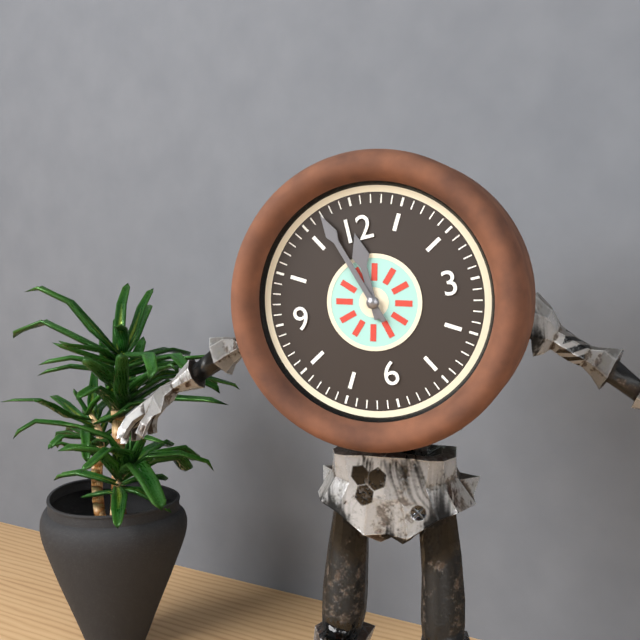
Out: {"hour": 11, "minute": 57}
